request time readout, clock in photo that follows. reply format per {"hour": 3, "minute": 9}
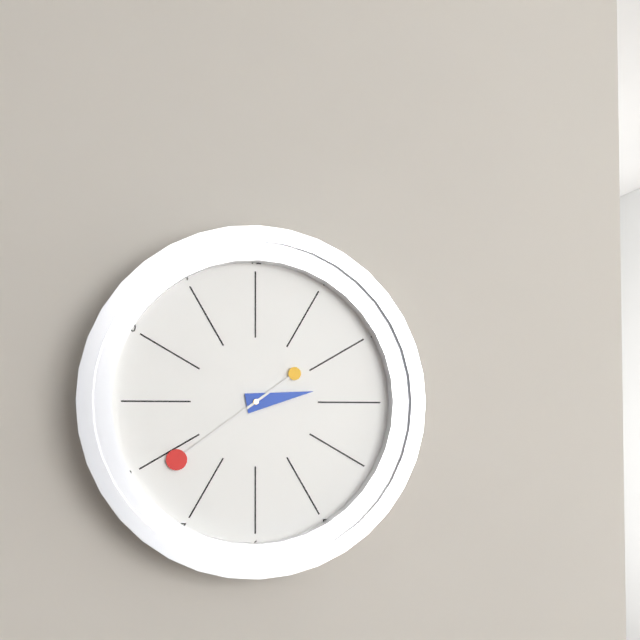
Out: {"hour": 2, "minute": 39}
